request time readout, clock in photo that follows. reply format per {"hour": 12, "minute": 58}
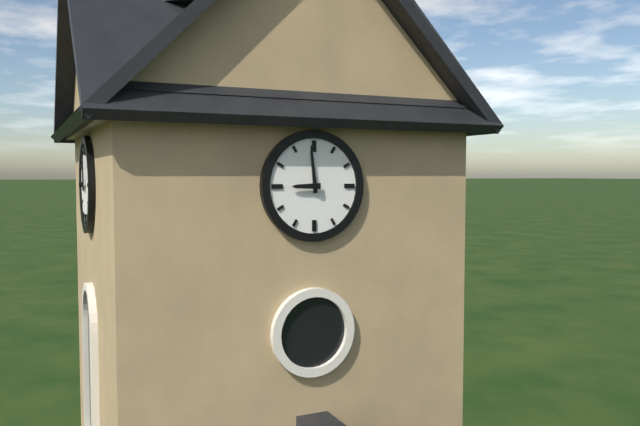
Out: {"hour": 8, "minute": 59}
